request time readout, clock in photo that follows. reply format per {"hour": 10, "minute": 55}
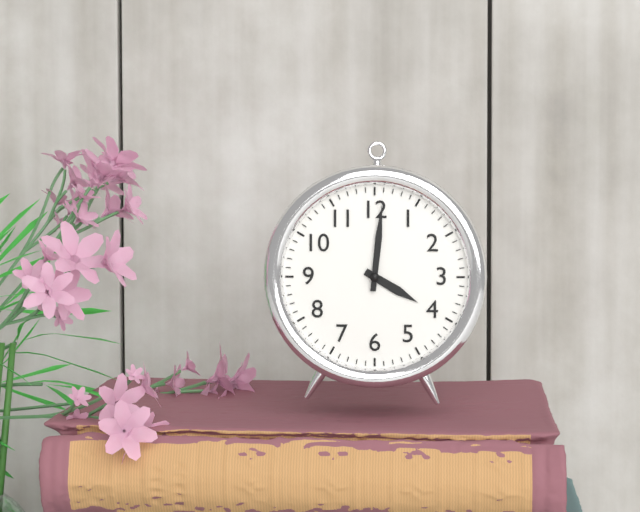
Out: {"hour": 4, "minute": 1}
